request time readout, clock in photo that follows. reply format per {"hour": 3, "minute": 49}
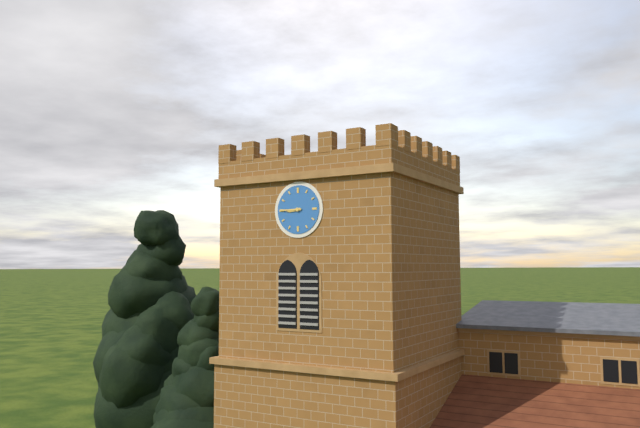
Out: {"hour": 8, "minute": 45}
